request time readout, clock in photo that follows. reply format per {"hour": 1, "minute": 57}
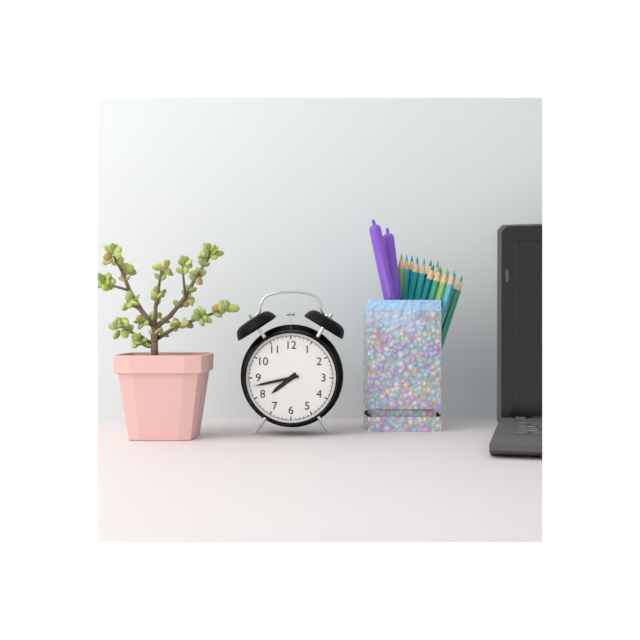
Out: {"hour": 7, "minute": 43}
